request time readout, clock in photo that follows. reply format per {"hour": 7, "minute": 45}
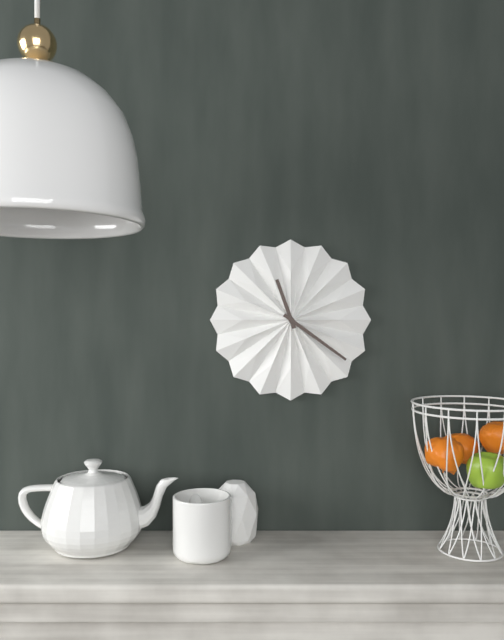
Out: {"hour": 11, "minute": 21}
